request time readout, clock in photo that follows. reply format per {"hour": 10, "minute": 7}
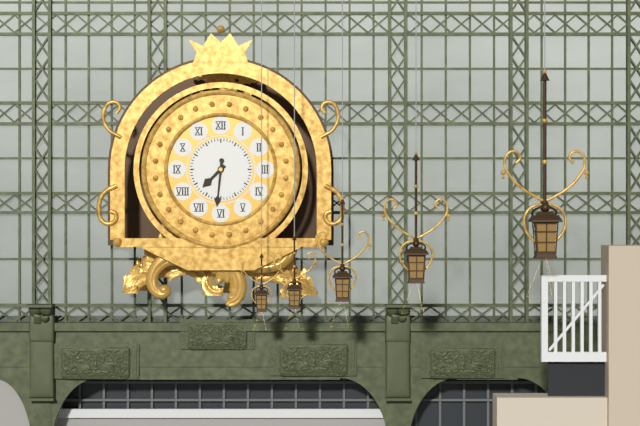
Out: {"hour": 7, "minute": 31}
